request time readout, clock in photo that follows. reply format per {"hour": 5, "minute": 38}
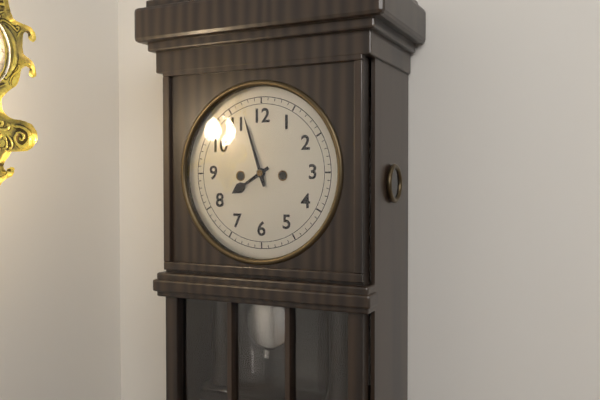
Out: {"hour": 7, "minute": 57}
